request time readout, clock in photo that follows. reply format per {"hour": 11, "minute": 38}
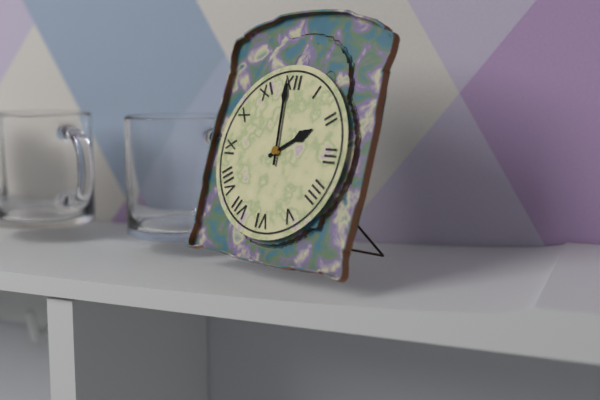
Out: {"hour": 1, "minute": 59}
